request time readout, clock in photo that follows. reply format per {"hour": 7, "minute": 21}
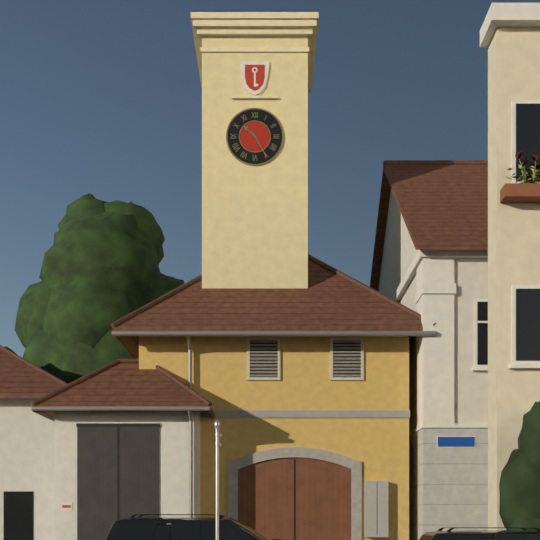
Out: {"hour": 10, "minute": 25}
